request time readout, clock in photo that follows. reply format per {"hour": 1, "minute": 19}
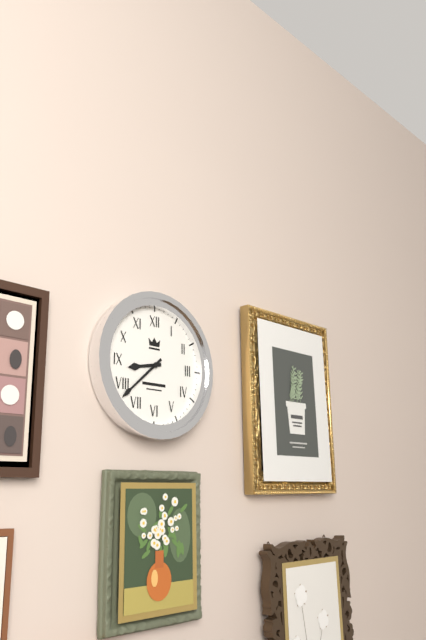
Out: {"hour": 8, "minute": 38}
